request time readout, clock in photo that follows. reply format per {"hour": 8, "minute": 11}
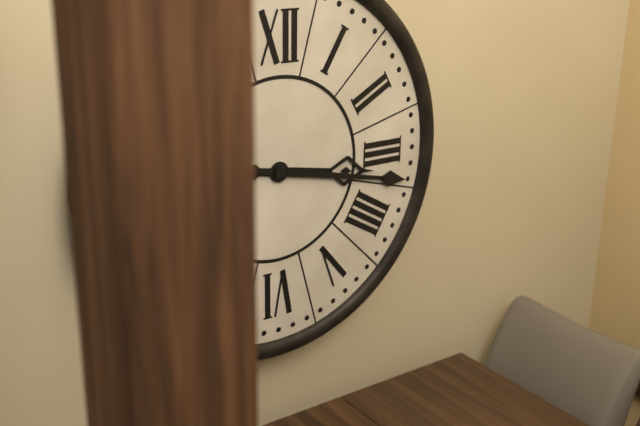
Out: {"hour": 3, "minute": 17}
